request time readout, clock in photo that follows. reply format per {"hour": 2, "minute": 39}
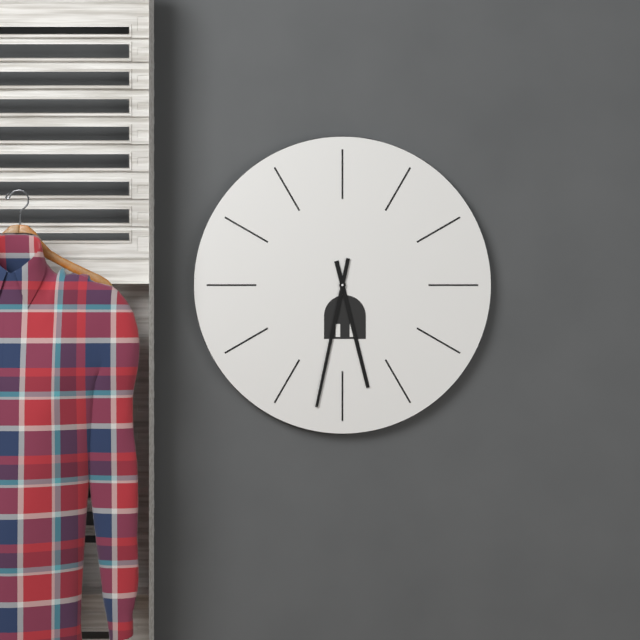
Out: {"hour": 5, "minute": 32}
